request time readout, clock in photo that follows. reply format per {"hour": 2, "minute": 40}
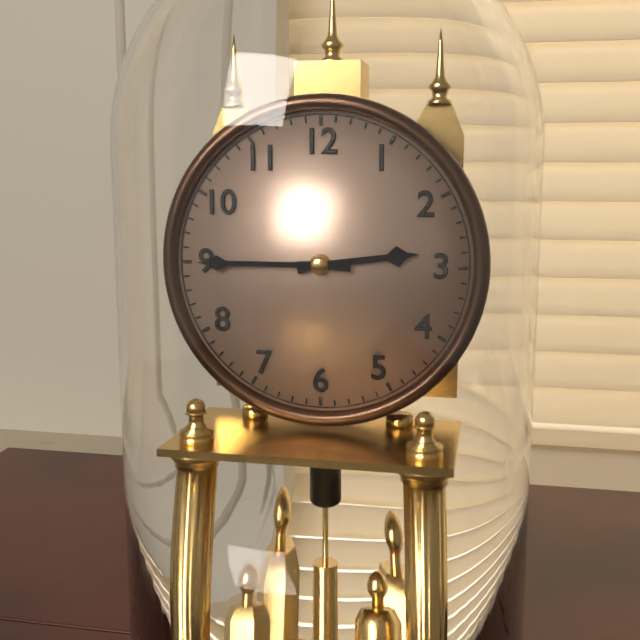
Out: {"hour": 2, "minute": 45}
